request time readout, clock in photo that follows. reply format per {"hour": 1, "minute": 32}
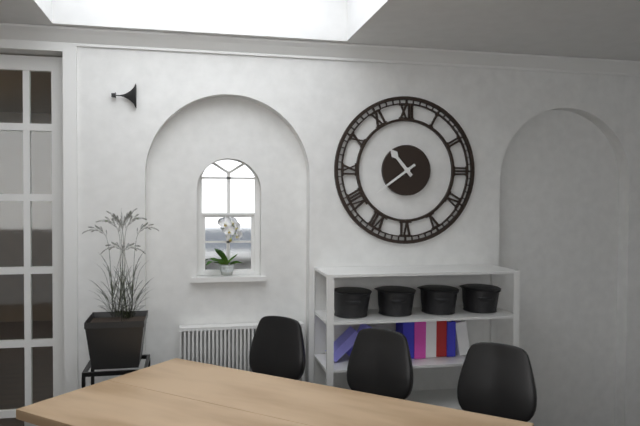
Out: {"hour": 10, "minute": 39}
